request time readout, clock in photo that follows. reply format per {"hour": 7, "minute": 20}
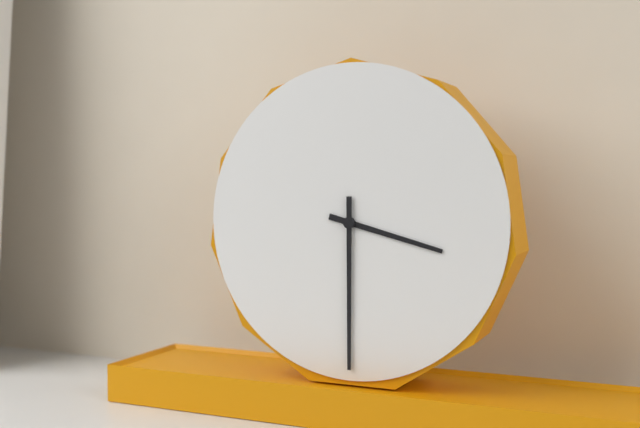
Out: {"hour": 3, "minute": 30}
